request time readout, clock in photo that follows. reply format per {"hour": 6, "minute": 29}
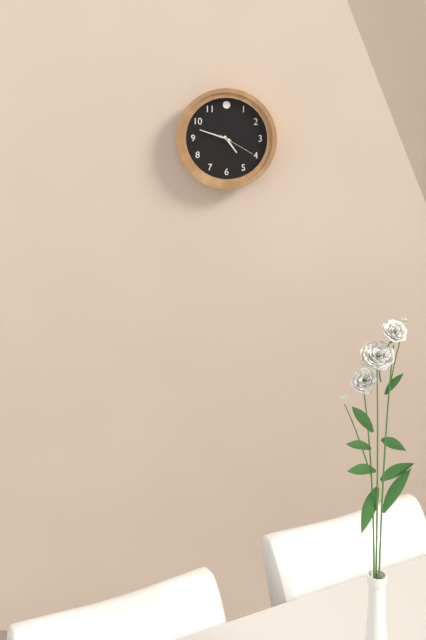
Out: {"hour": 4, "minute": 48}
